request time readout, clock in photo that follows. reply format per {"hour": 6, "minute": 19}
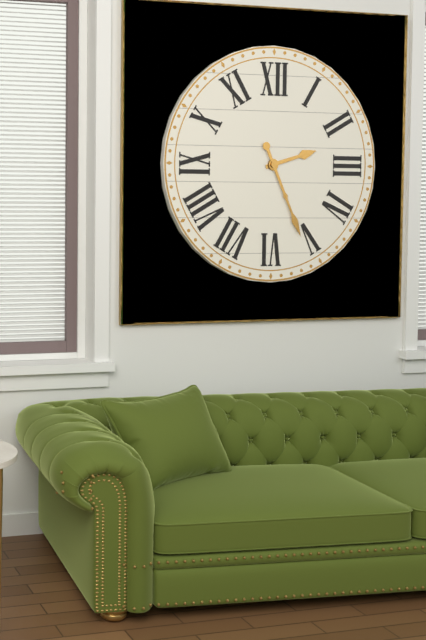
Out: {"hour": 2, "minute": 26}
